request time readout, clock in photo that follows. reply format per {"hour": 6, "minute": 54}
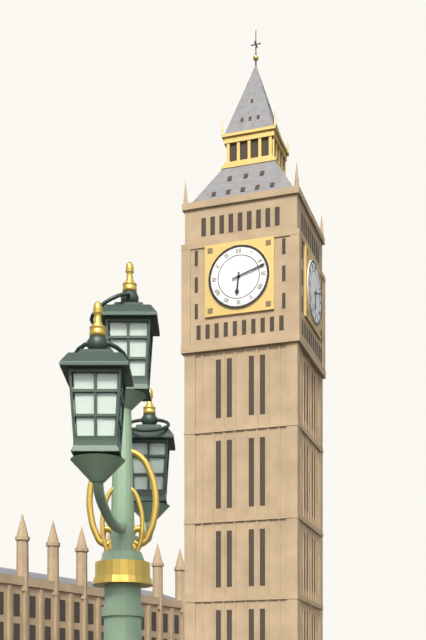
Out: {"hour": 6, "minute": 12}
